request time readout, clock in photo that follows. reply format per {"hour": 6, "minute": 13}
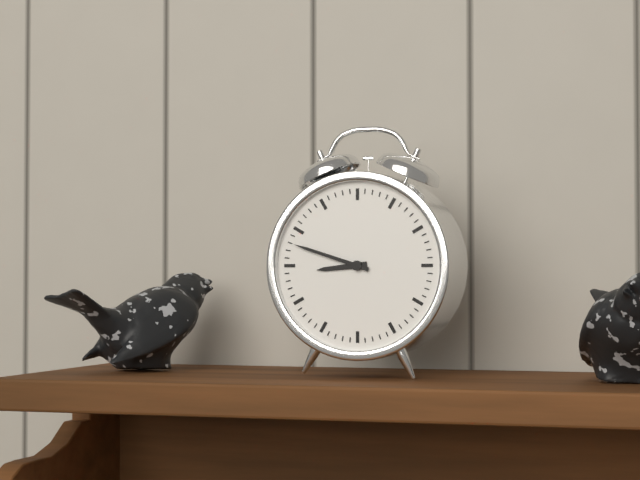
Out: {"hour": 8, "minute": 48}
